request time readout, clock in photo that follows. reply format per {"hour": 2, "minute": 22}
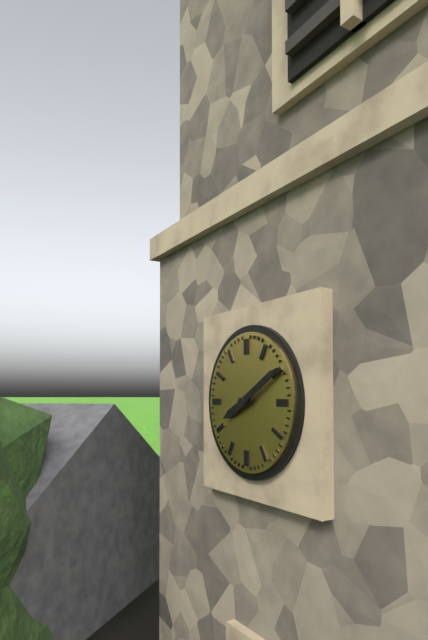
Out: {"hour": 8, "minute": 10}
